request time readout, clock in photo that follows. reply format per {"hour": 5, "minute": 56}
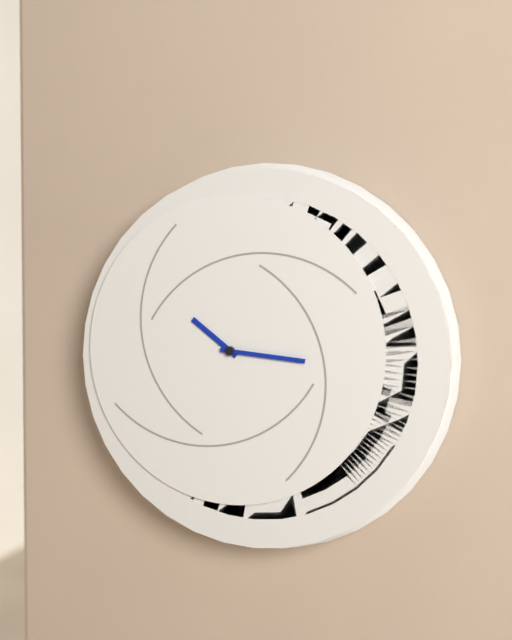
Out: {"hour": 10, "minute": 16}
